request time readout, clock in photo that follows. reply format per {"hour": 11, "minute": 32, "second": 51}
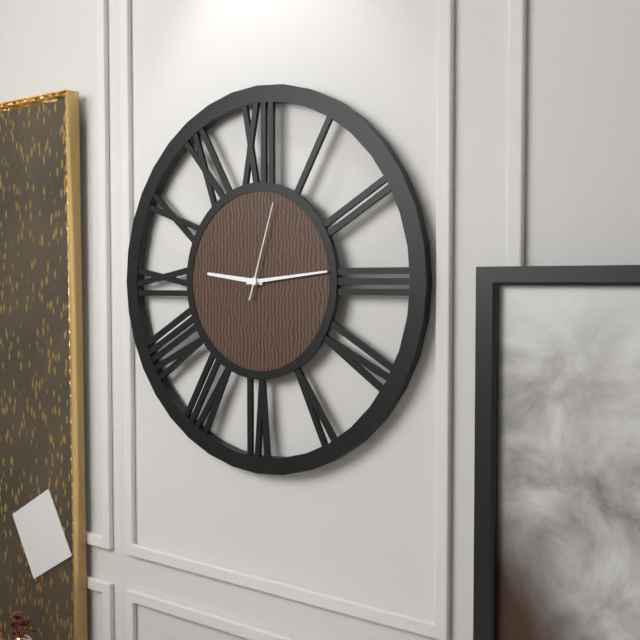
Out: {"hour": 9, "minute": 14, "second": 3}
